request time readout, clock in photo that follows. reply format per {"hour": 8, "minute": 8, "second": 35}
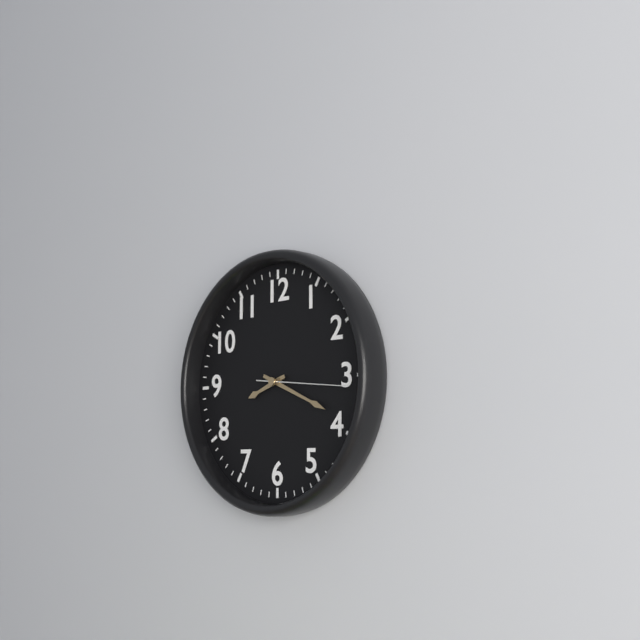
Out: {"hour": 8, "minute": 19, "second": 16}
